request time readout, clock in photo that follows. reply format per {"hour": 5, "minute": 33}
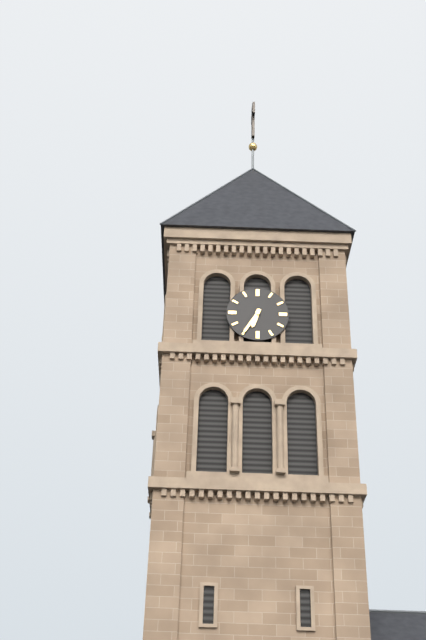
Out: {"hour": 6, "minute": 35}
